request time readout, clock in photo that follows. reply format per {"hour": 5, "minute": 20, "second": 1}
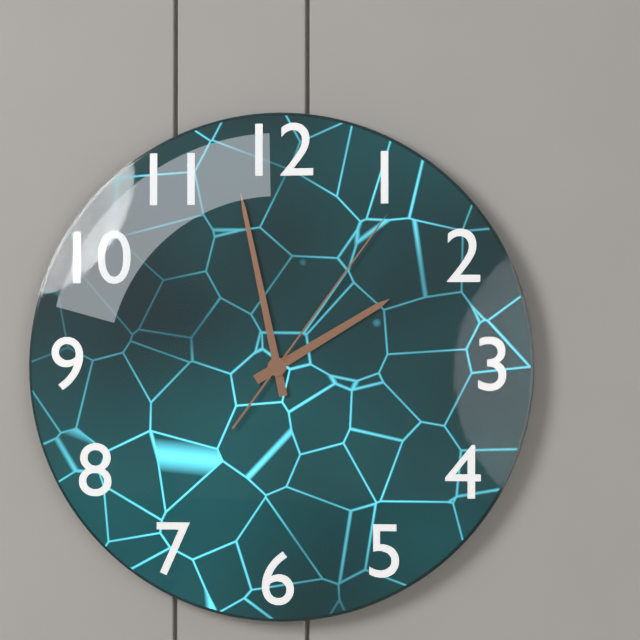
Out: {"hour": 1, "minute": 58, "second": 6}
